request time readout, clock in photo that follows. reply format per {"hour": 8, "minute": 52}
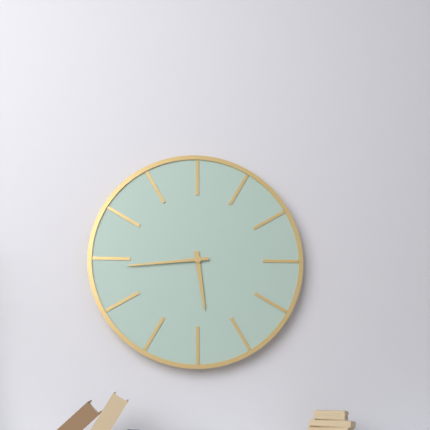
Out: {"hour": 5, "minute": 44}
